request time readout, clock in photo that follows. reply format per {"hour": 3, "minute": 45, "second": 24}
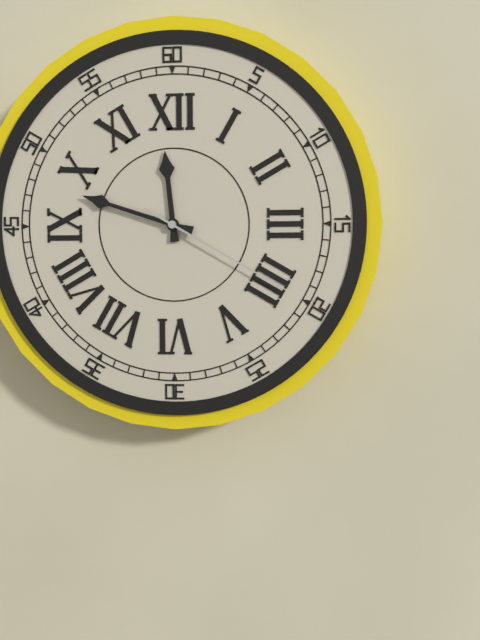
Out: {"hour": 11, "minute": 48, "second": 20}
